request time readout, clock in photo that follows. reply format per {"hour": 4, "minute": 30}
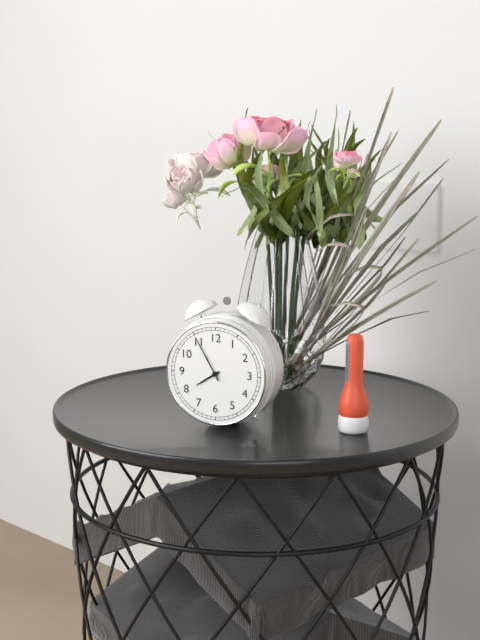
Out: {"hour": 7, "minute": 55}
